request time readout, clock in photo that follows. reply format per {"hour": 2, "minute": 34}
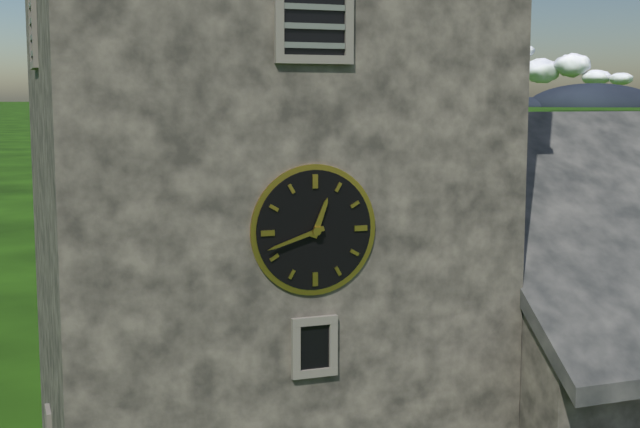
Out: {"hour": 12, "minute": 42}
